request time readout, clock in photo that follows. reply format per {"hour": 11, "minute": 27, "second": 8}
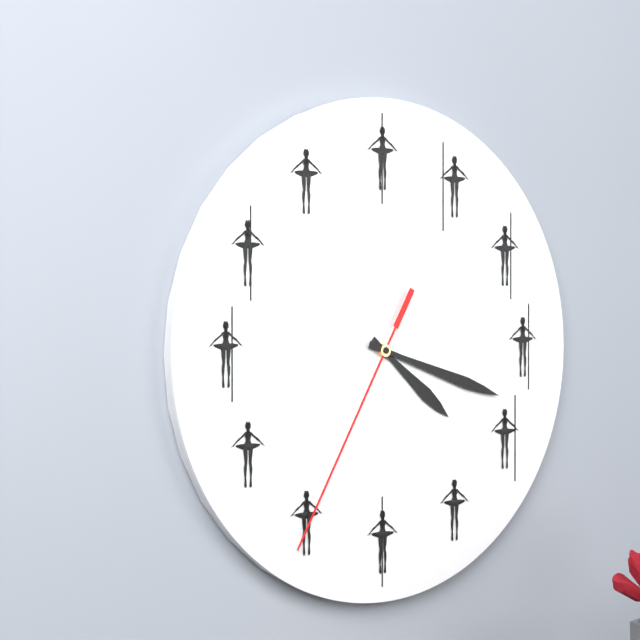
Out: {"hour": 4, "minute": 18, "second": 35}
